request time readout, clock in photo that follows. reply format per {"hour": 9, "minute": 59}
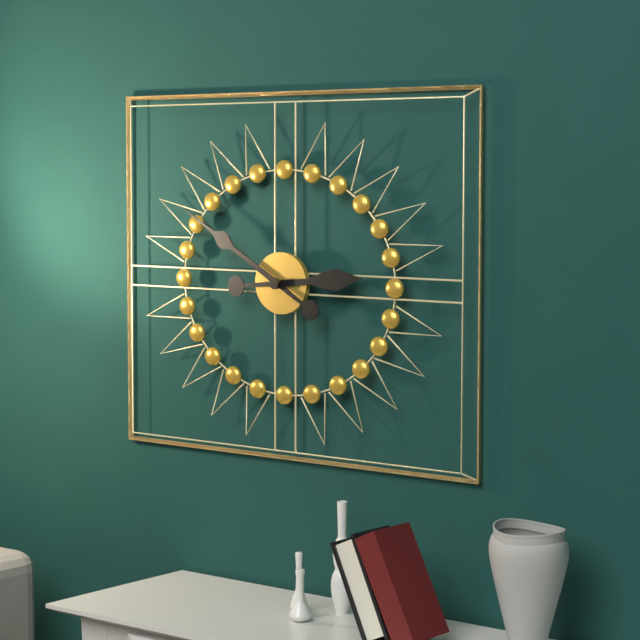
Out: {"hour": 2, "minute": 50}
